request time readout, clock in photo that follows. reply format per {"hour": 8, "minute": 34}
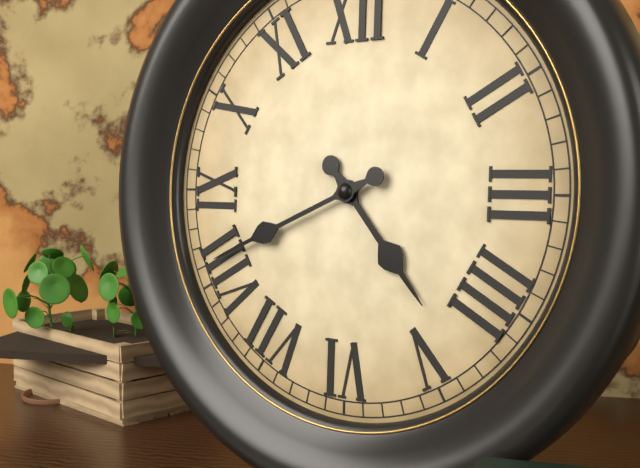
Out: {"hour": 4, "minute": 41}
